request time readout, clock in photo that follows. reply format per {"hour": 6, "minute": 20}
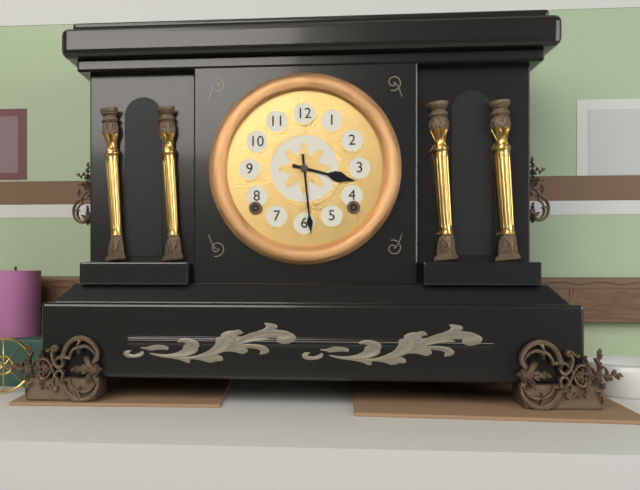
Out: {"hour": 3, "minute": 29}
